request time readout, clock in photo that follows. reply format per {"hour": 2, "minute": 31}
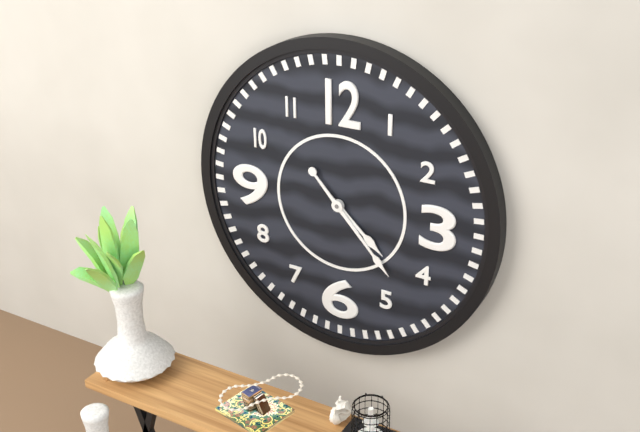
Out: {"hour": 4, "minute": 23}
